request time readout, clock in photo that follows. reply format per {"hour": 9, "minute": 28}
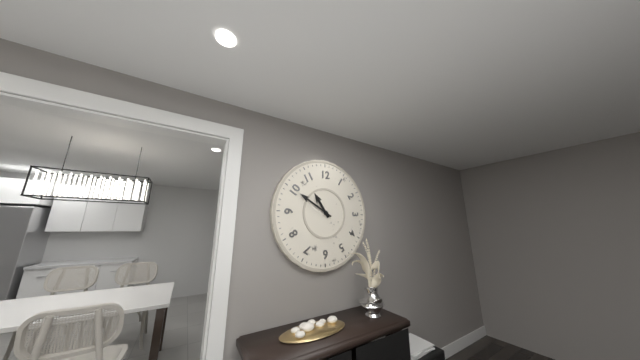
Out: {"hour": 10, "minute": 50}
